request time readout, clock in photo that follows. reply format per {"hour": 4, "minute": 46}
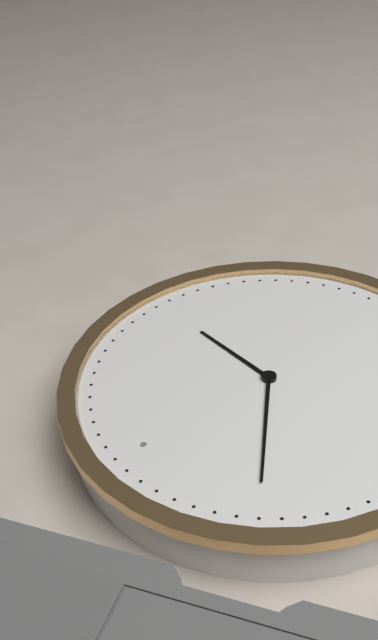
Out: {"hour": 2, "minute": 52}
